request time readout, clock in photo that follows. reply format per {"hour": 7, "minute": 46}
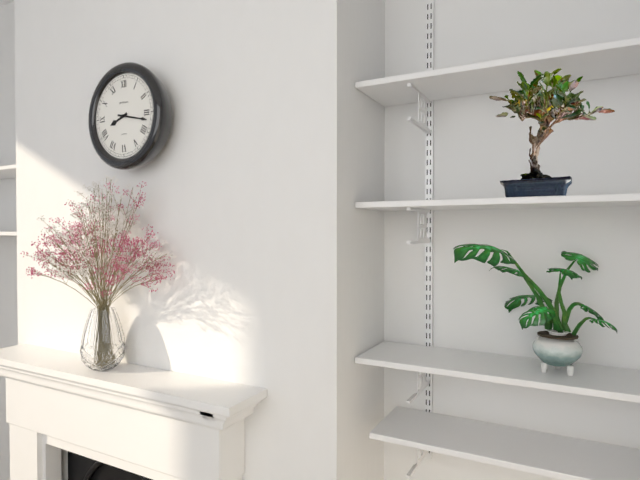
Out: {"hour": 8, "minute": 17}
